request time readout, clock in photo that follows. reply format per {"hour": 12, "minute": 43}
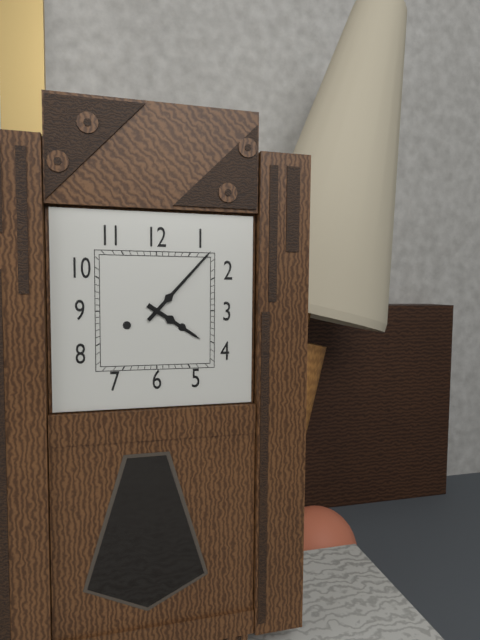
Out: {"hour": 4, "minute": 7}
